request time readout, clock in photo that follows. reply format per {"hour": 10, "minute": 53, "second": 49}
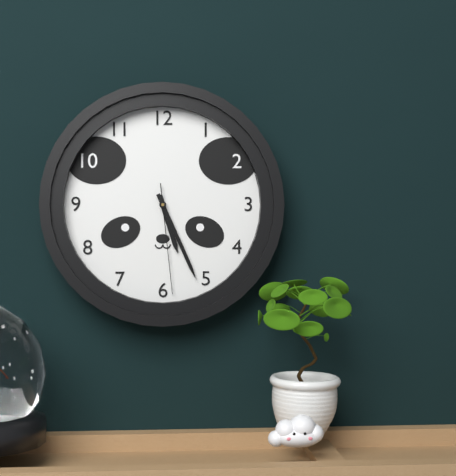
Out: {"hour": 5, "minute": 26, "second": 29}
